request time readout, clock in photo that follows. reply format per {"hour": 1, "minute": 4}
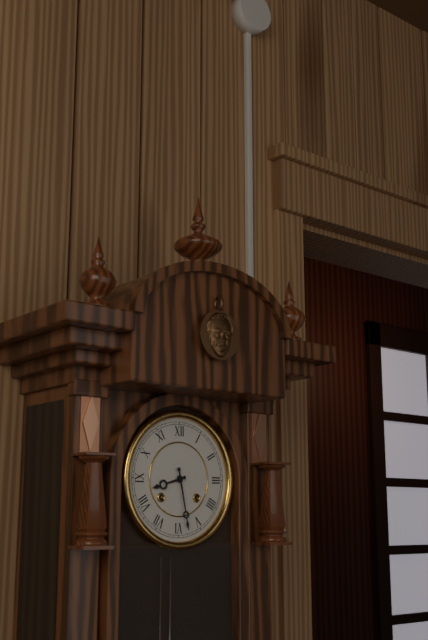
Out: {"hour": 8, "minute": 28}
